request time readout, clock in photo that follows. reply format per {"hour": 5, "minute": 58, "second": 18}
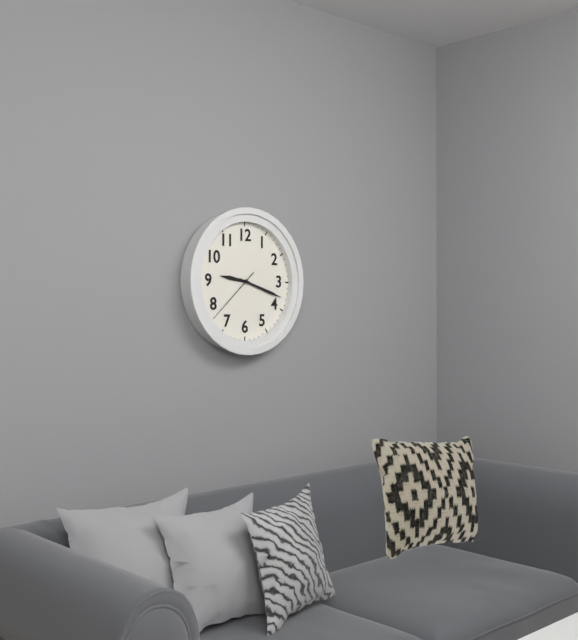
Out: {"hour": 9, "minute": 18, "second": 38}
